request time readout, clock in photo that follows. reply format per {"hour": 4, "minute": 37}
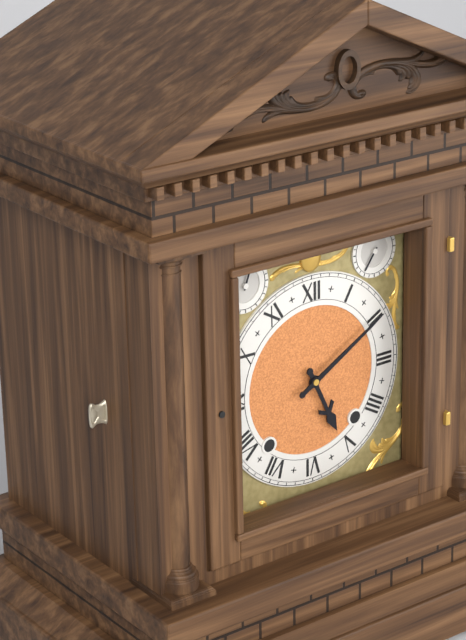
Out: {"hour": 5, "minute": 10}
